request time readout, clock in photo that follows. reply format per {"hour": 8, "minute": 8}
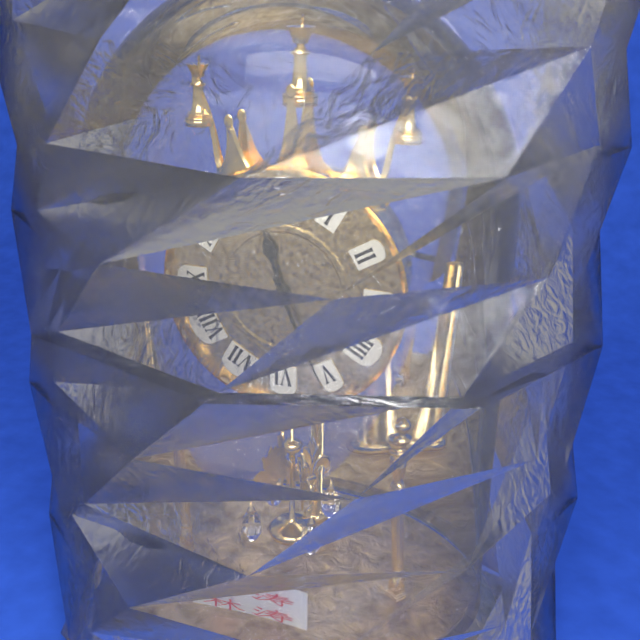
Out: {"hour": 11, "minute": 26}
